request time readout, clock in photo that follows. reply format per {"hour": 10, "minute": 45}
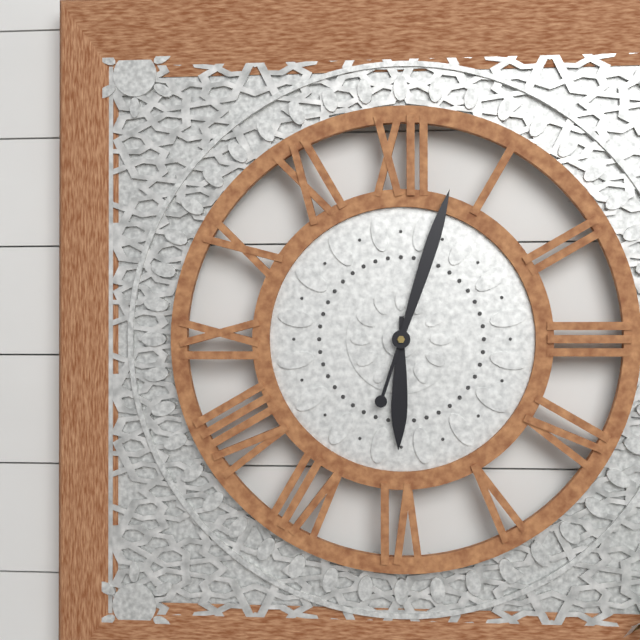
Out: {"hour": 6, "minute": 3}
